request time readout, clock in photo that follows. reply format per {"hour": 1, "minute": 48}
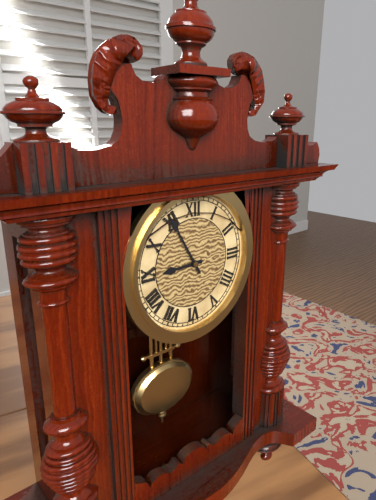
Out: {"hour": 8, "minute": 55}
